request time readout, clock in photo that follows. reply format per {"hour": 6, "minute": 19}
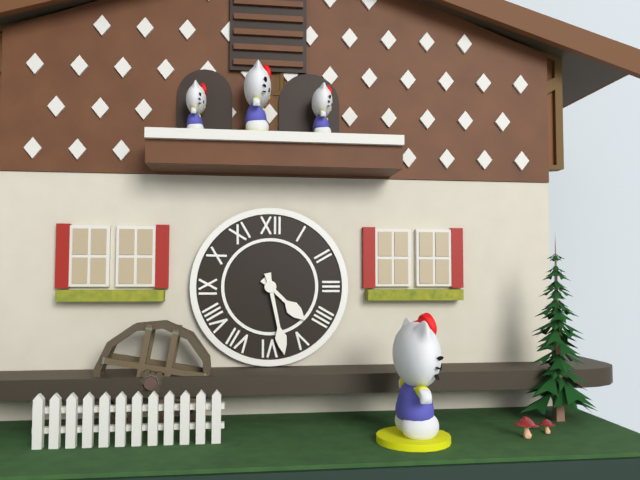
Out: {"hour": 4, "minute": 28}
